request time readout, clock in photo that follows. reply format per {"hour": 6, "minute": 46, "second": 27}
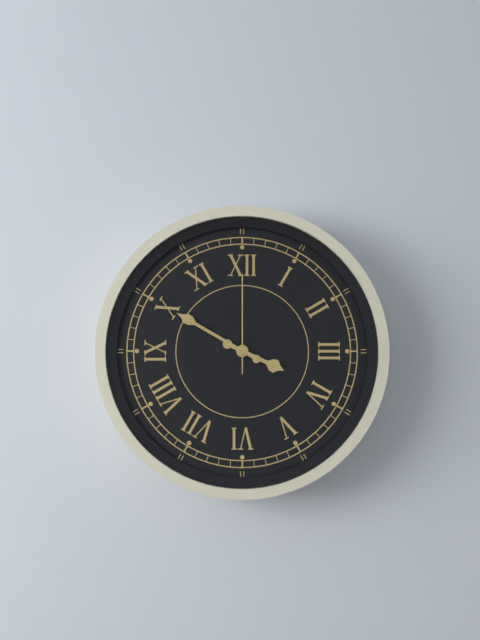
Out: {"hour": 3, "minute": 50, "second": 0}
